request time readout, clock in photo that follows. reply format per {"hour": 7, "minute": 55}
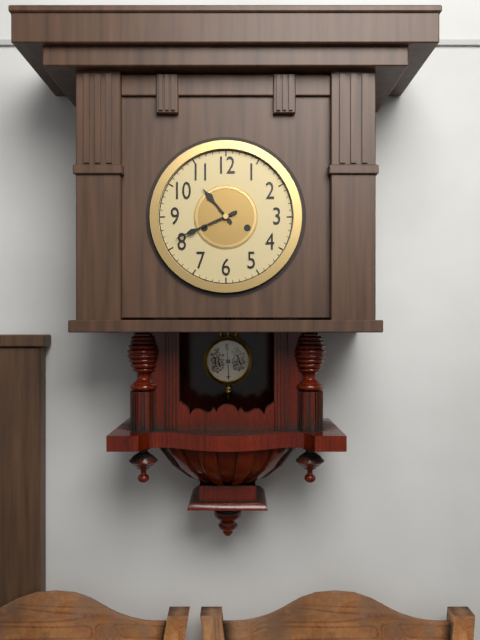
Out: {"hour": 10, "minute": 41}
